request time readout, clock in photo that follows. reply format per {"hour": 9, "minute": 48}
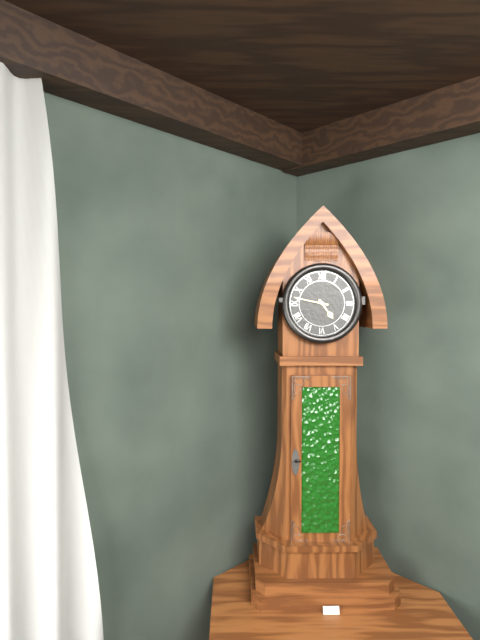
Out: {"hour": 4, "minute": 47}
